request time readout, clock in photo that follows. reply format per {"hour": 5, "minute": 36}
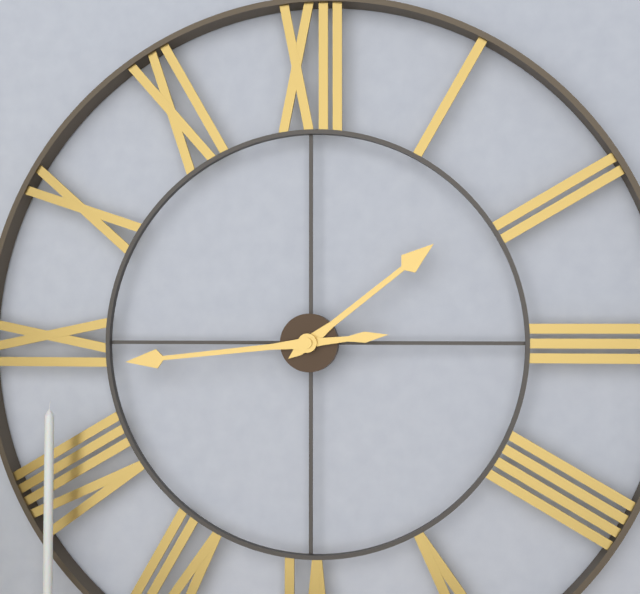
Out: {"hour": 1, "minute": 44}
